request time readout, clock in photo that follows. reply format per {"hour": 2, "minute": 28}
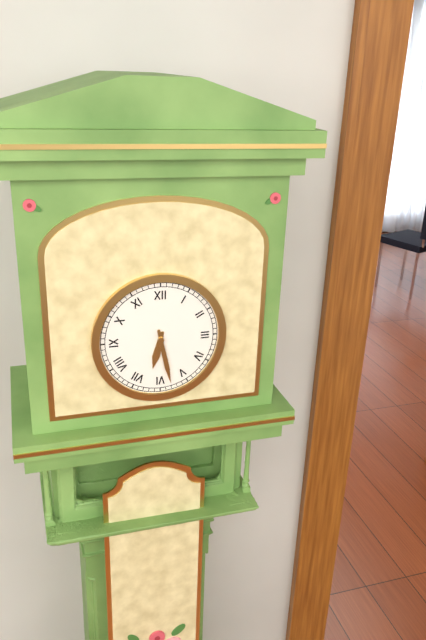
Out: {"hour": 6, "minute": 28}
